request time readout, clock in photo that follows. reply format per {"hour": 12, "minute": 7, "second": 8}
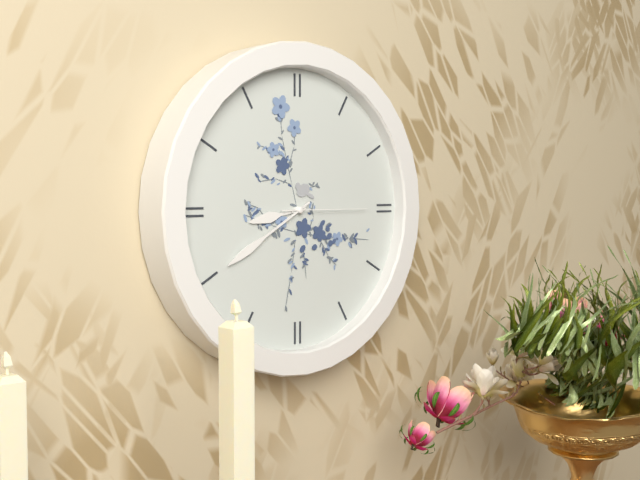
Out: {"hour": 8, "minute": 40, "second": 15}
